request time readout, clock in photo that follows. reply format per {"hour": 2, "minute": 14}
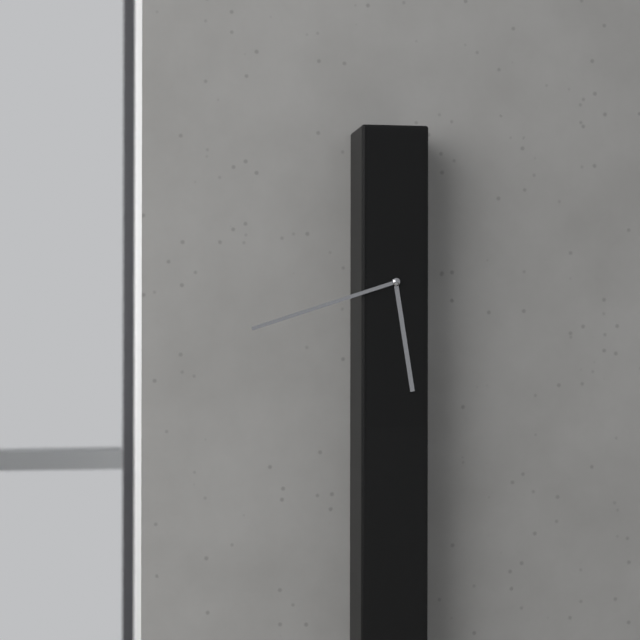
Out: {"hour": 5, "minute": 42}
